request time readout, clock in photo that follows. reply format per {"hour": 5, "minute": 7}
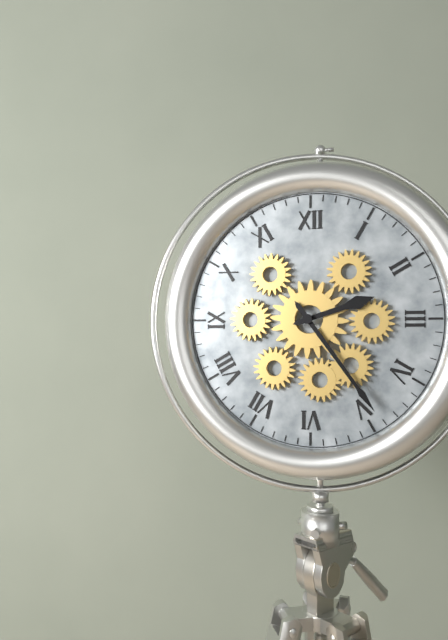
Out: {"hour": 2, "minute": 24}
